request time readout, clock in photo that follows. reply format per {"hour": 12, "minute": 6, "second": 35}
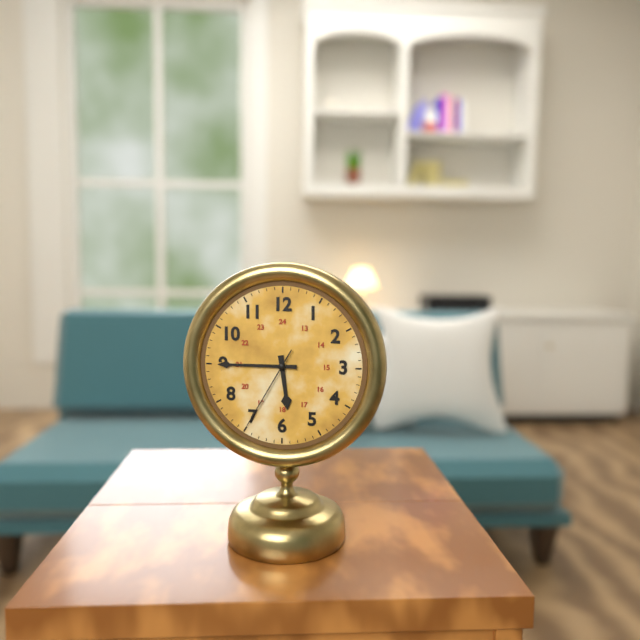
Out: {"hour": 5, "minute": 45, "second": 35}
